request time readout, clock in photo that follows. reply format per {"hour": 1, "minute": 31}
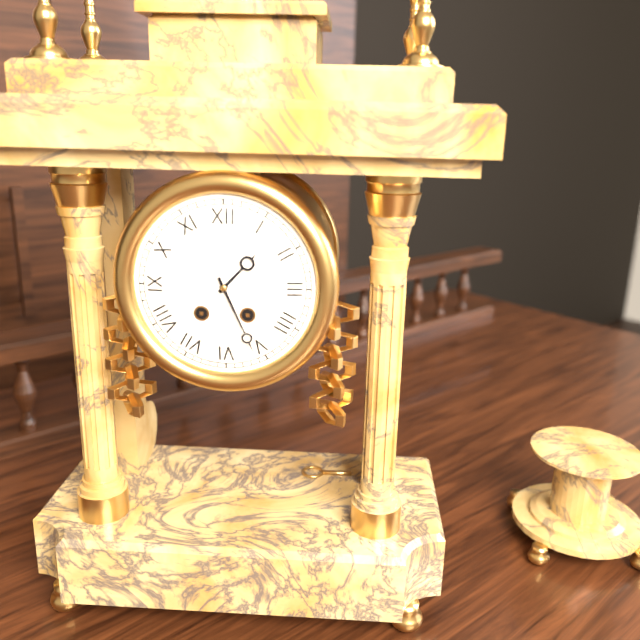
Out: {"hour": 1, "minute": 26}
